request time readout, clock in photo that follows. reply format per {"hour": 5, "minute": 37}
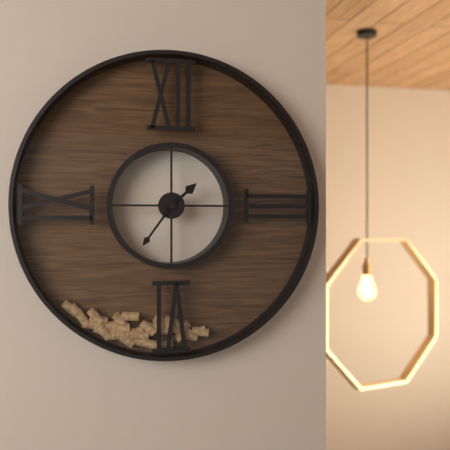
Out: {"hour": 1, "minute": 36}
